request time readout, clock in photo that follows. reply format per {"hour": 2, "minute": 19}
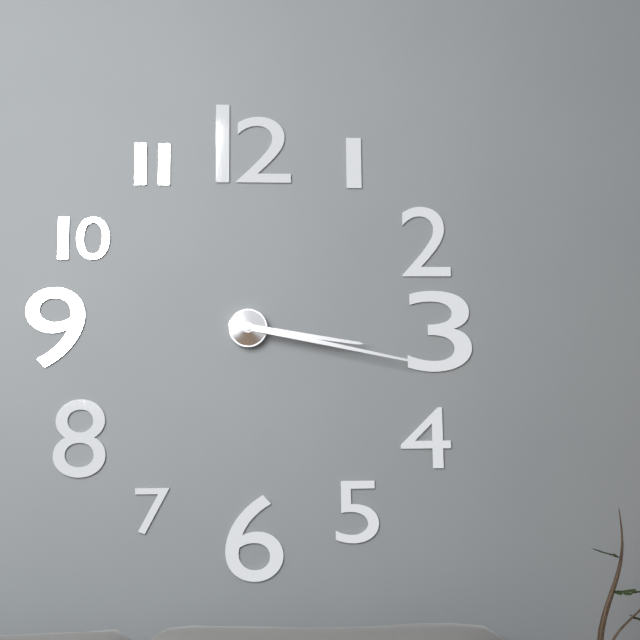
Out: {"hour": 3, "minute": 17}
